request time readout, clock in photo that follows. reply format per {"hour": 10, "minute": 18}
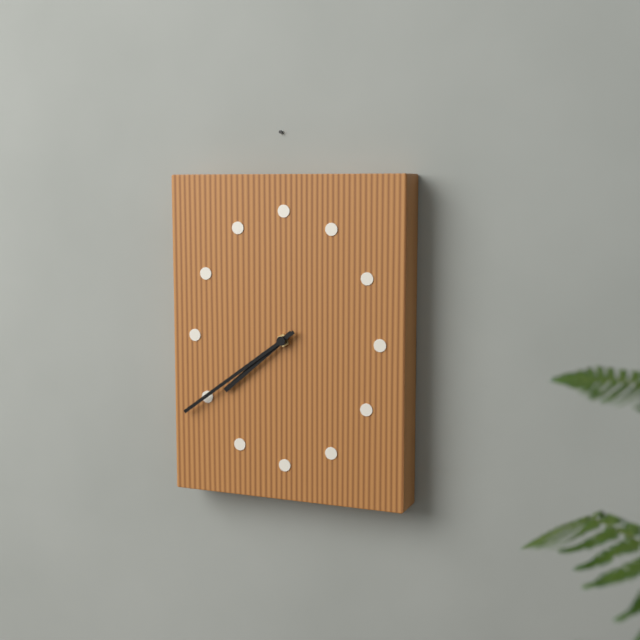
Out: {"hour": 7, "minute": 39}
